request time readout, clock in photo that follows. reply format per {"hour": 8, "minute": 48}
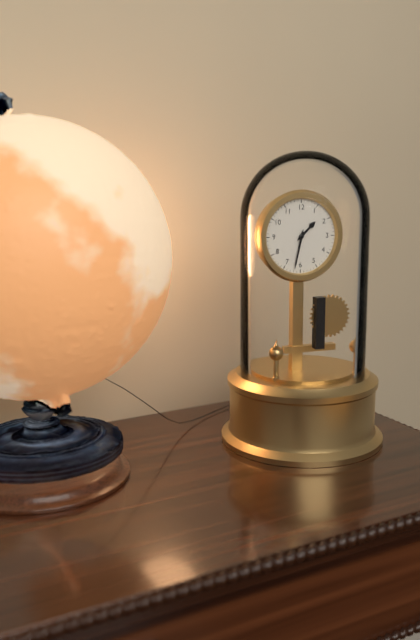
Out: {"hour": 1, "minute": 32}
